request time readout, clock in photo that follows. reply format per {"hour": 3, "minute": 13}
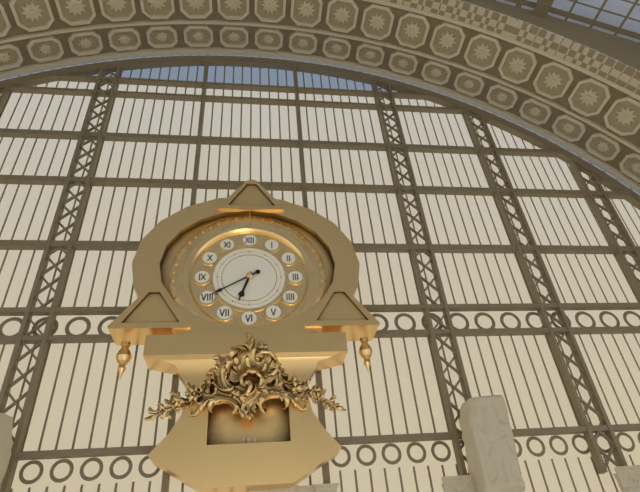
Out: {"hour": 6, "minute": 40}
